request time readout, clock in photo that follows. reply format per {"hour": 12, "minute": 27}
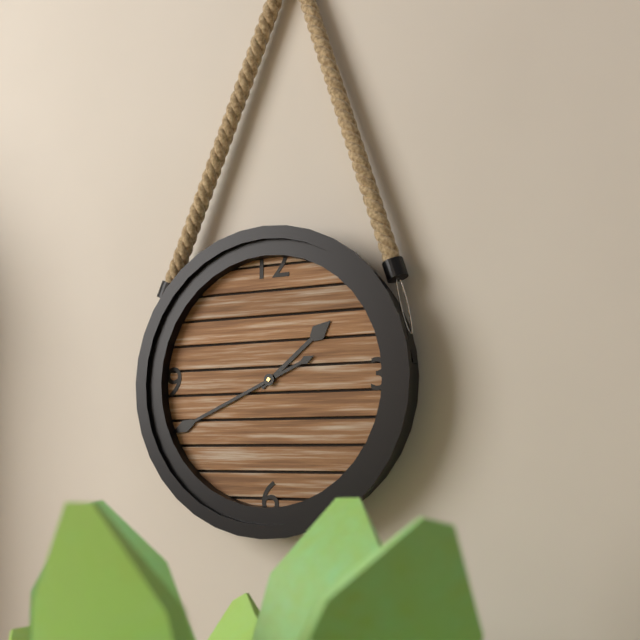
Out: {"hour": 1, "minute": 41}
